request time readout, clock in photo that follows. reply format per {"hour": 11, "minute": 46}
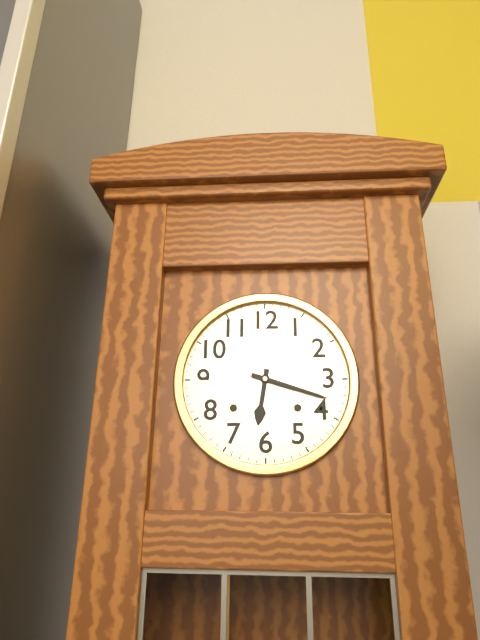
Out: {"hour": 6, "minute": 18}
